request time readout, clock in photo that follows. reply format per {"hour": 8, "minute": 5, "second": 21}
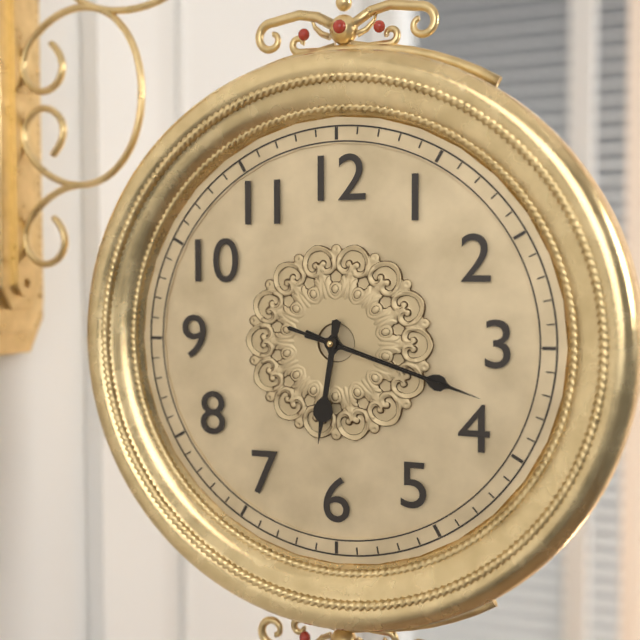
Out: {"hour": 6, "minute": 18, "second": 18}
